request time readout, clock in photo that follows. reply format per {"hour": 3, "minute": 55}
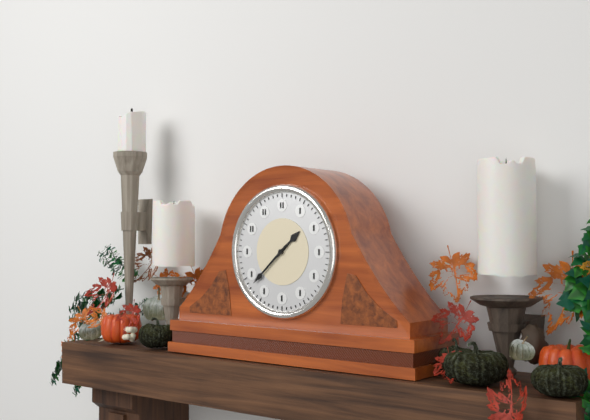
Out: {"hour": 1, "minute": 38}
